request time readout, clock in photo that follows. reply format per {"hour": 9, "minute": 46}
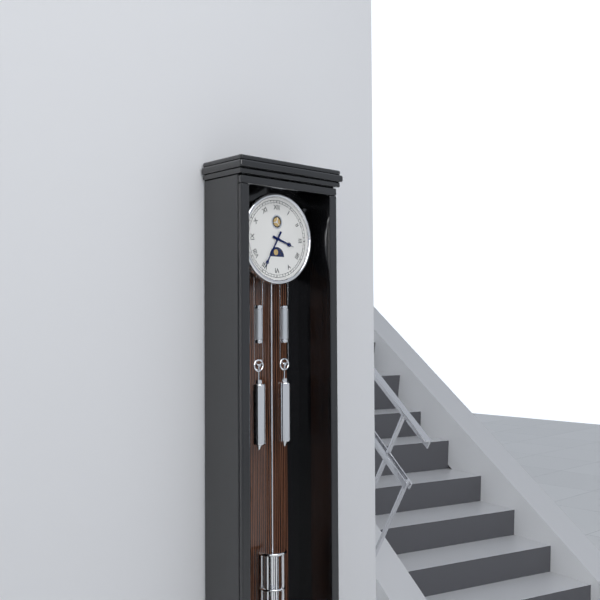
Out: {"hour": 3, "minute": 35}
